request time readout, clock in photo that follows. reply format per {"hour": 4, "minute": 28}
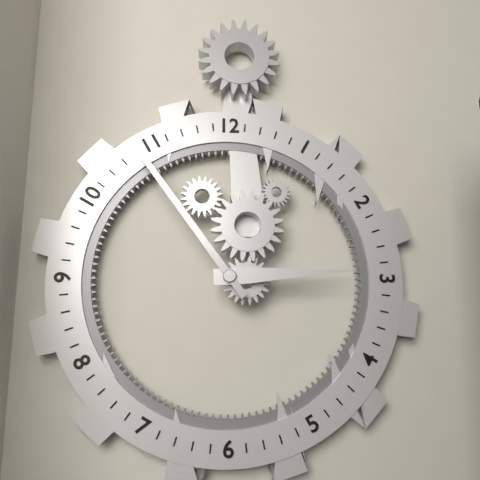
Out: {"hour": 2, "minute": 54}
